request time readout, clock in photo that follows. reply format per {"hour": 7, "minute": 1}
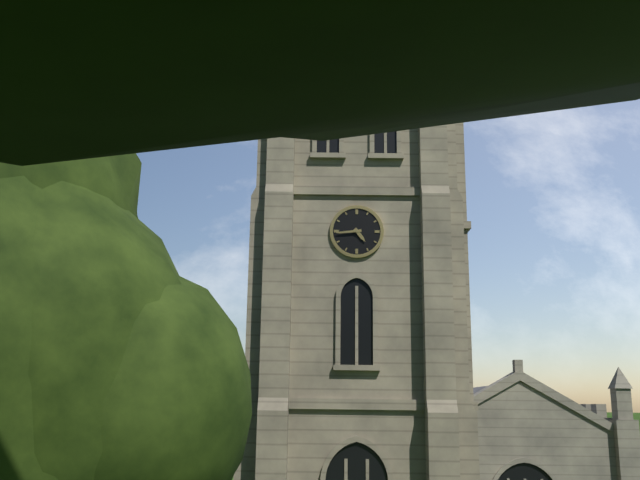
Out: {"hour": 4, "minute": 44}
